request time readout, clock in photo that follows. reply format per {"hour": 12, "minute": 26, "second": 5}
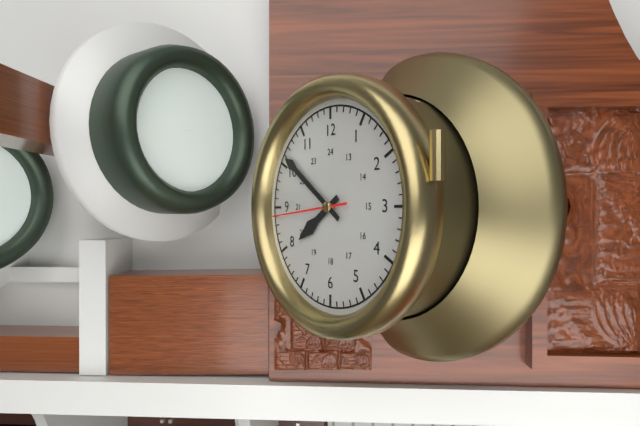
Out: {"hour": 7, "minute": 51, "second": 44}
